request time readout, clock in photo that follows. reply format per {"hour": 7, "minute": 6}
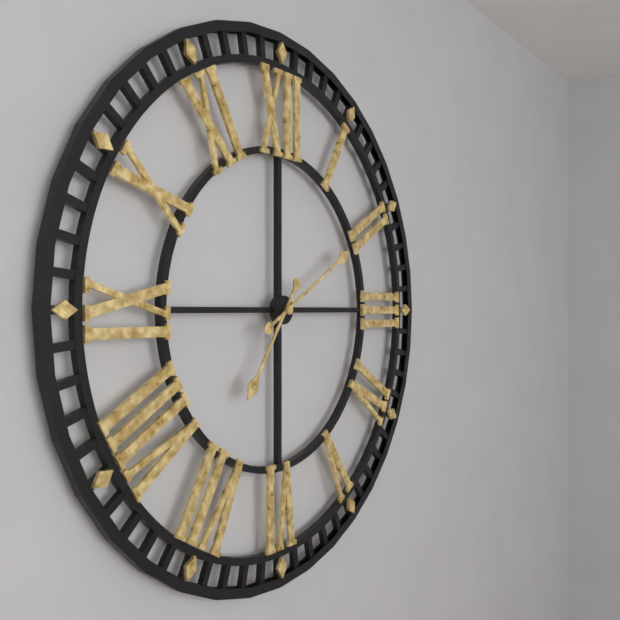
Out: {"hour": 7, "minute": 10}
